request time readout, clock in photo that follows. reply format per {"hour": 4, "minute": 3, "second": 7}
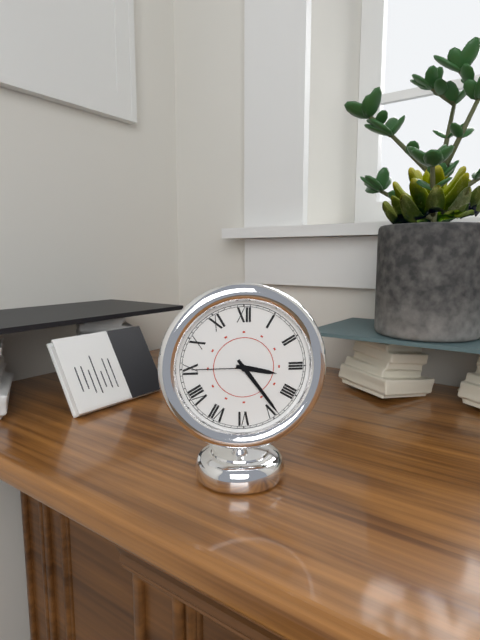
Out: {"hour": 3, "minute": 24, "second": 45}
